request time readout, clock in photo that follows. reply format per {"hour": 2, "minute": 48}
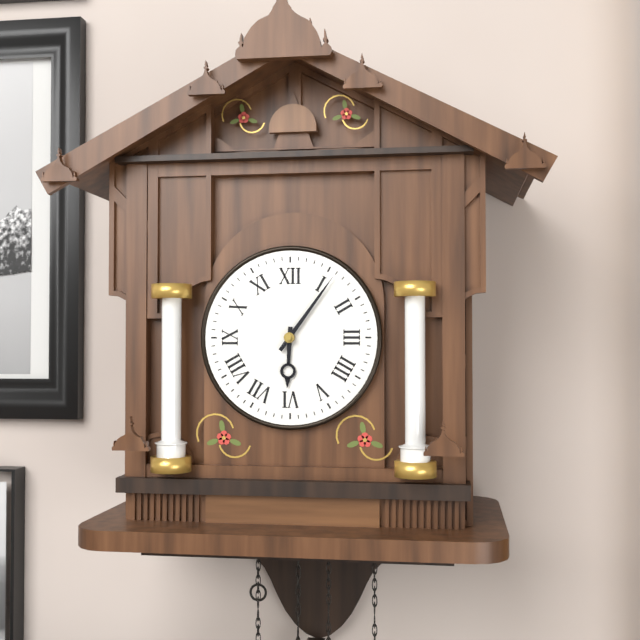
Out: {"hour": 6, "minute": 6}
